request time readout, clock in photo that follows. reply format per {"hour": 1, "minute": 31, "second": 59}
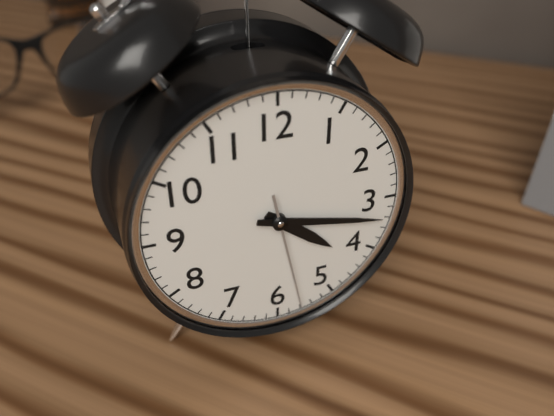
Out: {"hour": 4, "minute": 17, "second": 28}
